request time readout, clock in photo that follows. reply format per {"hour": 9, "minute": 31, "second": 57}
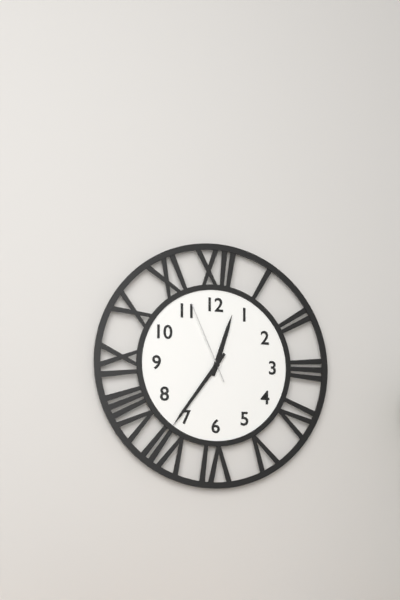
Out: {"hour": 12, "minute": 36, "second": 56}
